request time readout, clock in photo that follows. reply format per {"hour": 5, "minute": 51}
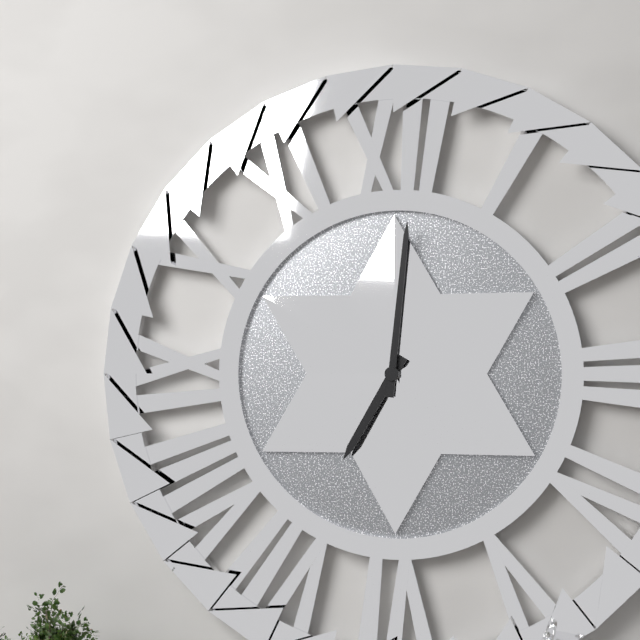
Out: {"hour": 7, "minute": 1}
